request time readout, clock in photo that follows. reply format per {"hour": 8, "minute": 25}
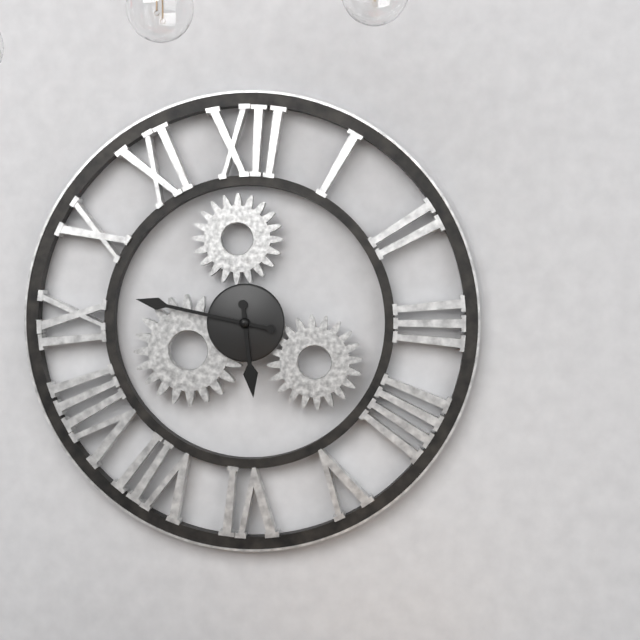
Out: {"hour": 5, "minute": 47}
